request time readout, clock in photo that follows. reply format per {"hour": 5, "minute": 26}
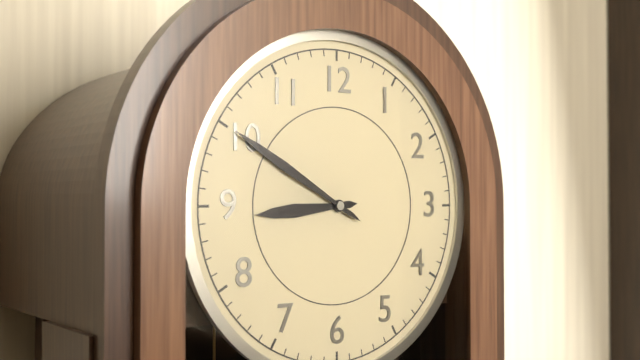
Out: {"hour": 8, "minute": 50}
